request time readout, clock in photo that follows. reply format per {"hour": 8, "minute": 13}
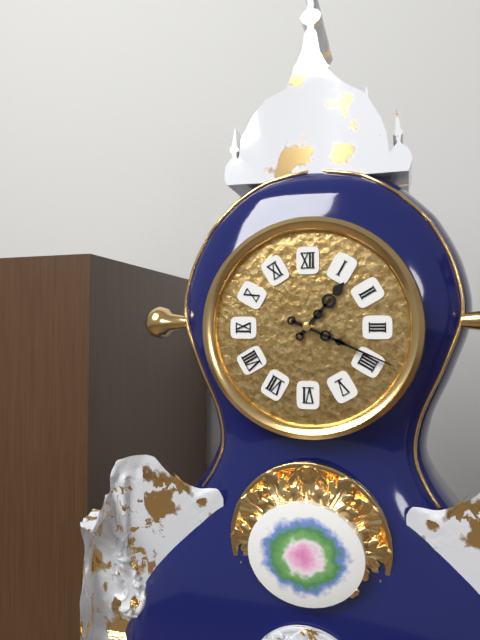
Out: {"hour": 1, "minute": 19}
